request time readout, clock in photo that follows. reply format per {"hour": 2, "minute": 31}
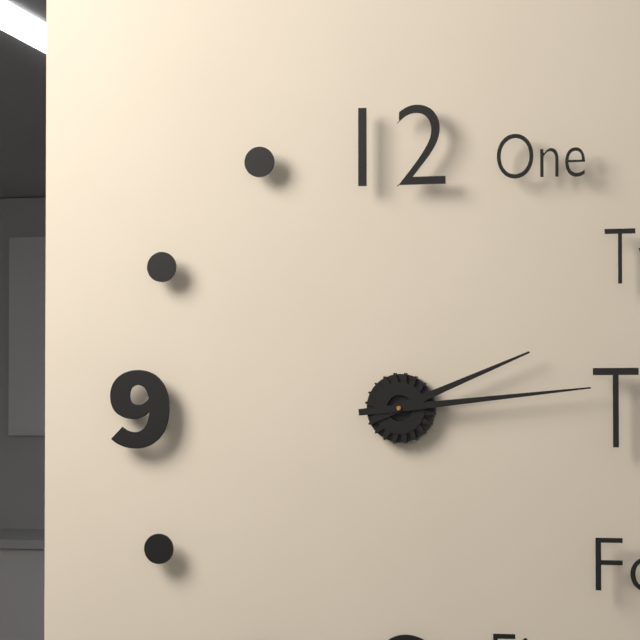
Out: {"hour": 2, "minute": 14}
